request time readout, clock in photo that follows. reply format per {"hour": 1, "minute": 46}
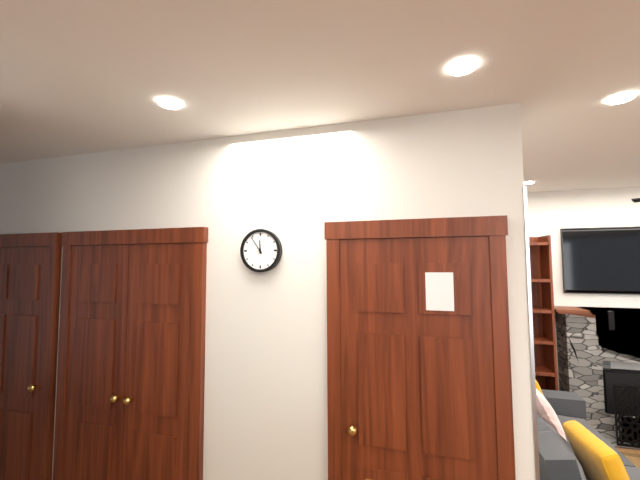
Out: {"hour": 11, "minute": 54}
